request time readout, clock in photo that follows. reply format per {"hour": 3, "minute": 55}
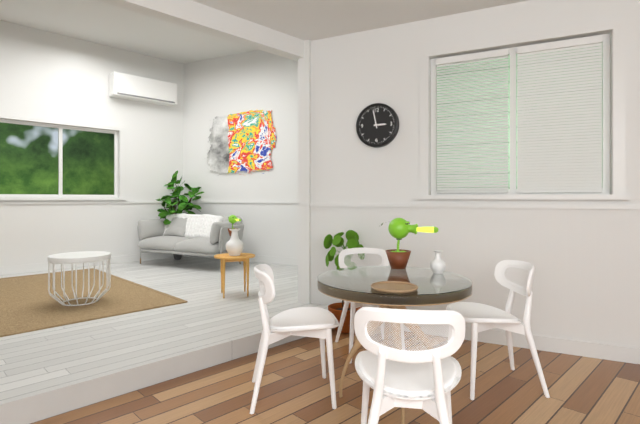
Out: {"hour": 2, "minute": 58}
